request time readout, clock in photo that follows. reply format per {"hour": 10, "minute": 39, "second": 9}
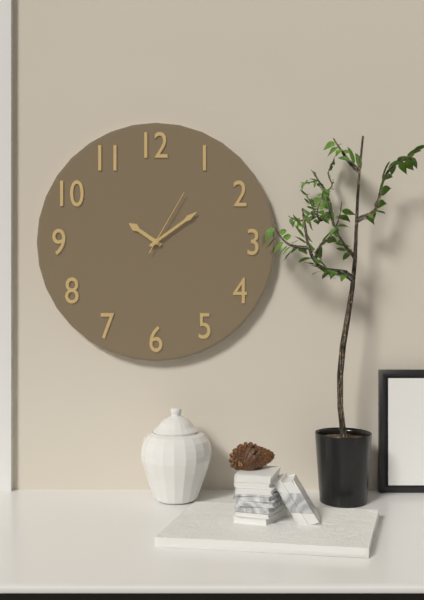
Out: {"hour": 10, "minute": 9, "second": 5}
